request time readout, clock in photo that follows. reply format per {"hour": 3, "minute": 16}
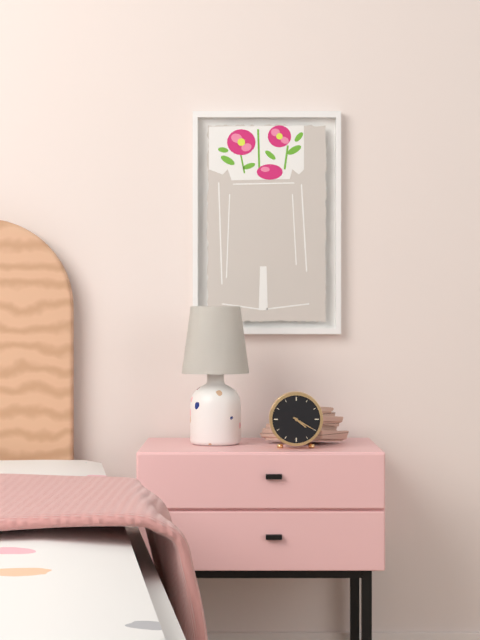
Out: {"hour": 4, "minute": 20}
